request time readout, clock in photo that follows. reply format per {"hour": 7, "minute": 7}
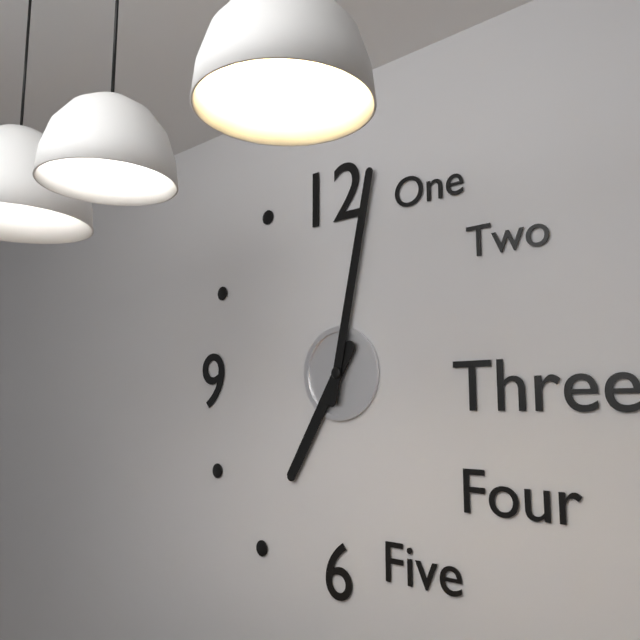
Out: {"hour": 7, "minute": 2}
